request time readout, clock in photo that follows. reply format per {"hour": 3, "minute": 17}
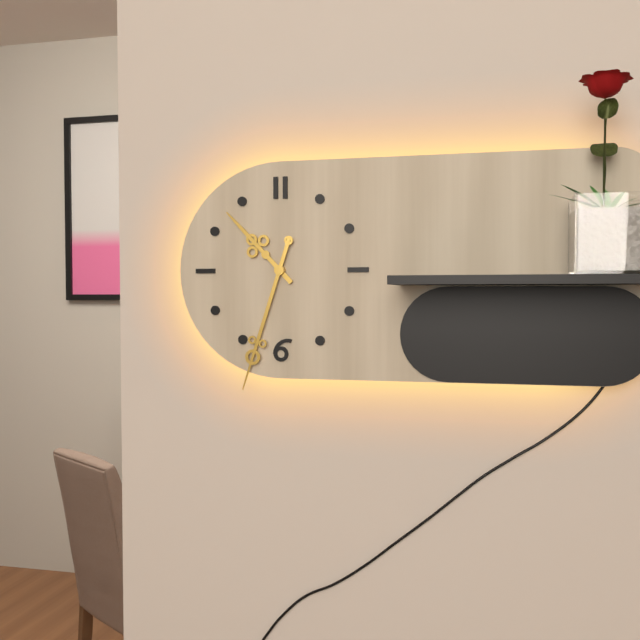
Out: {"hour": 10, "minute": 33}
